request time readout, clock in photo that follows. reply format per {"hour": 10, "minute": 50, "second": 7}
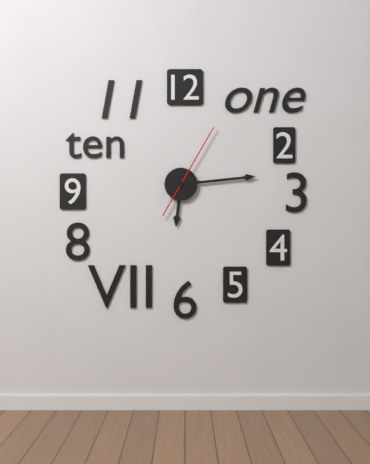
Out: {"hour": 6, "minute": 14, "second": 5}
